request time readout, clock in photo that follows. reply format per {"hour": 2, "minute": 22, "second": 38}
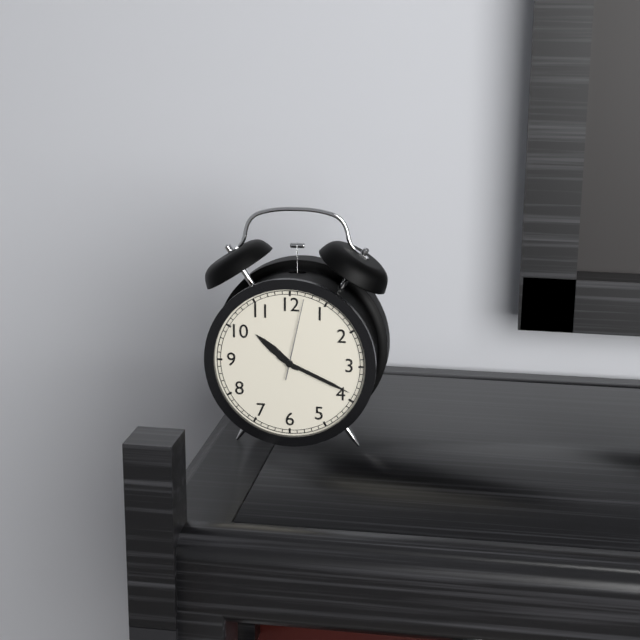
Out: {"hour": 10, "minute": 19, "second": 2}
